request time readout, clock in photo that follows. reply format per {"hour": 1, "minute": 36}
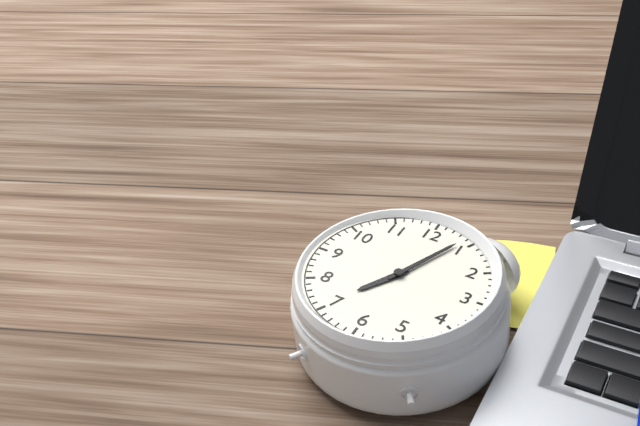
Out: {"hour": 7, "minute": 4}
